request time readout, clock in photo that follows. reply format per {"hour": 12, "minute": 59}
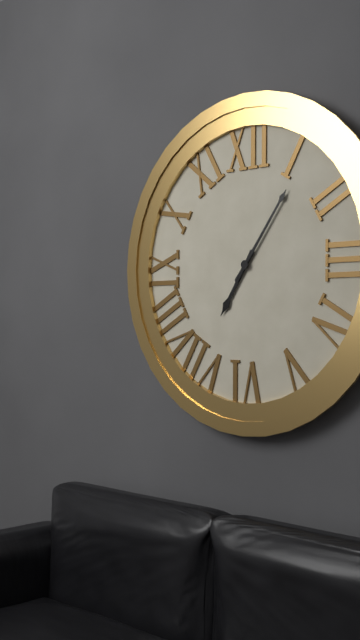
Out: {"hour": 7, "minute": 6}
